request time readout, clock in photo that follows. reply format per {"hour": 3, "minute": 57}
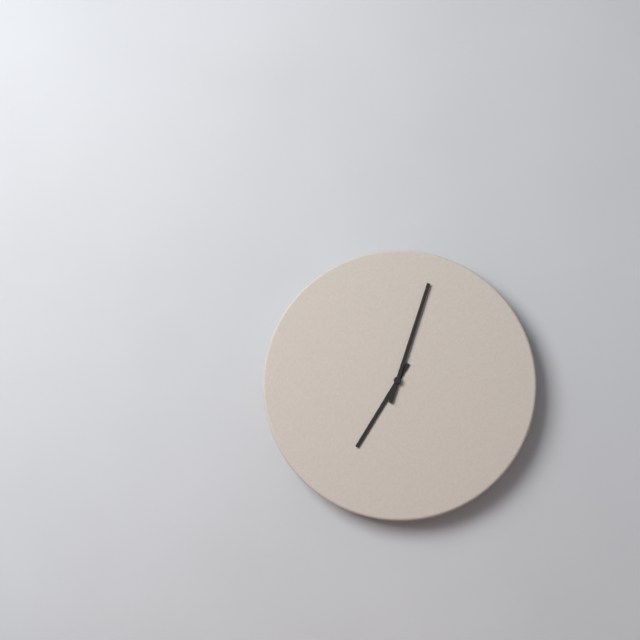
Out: {"hour": 7, "minute": 3}
